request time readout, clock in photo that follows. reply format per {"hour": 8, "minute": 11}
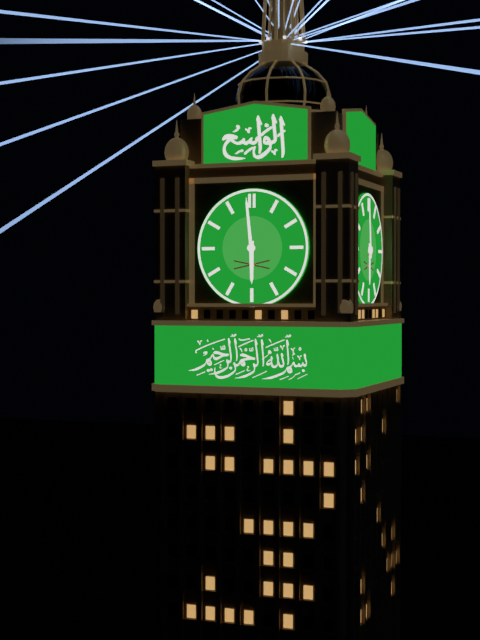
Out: {"hour": 5, "minute": 59}
